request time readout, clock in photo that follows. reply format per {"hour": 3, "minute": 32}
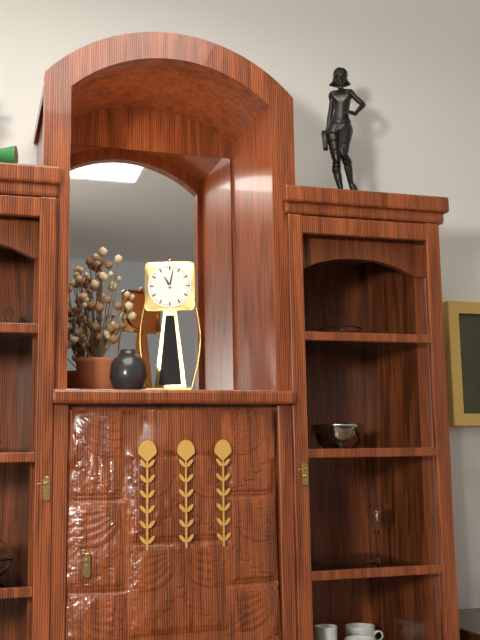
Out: {"hour": 11, "minute": 2}
